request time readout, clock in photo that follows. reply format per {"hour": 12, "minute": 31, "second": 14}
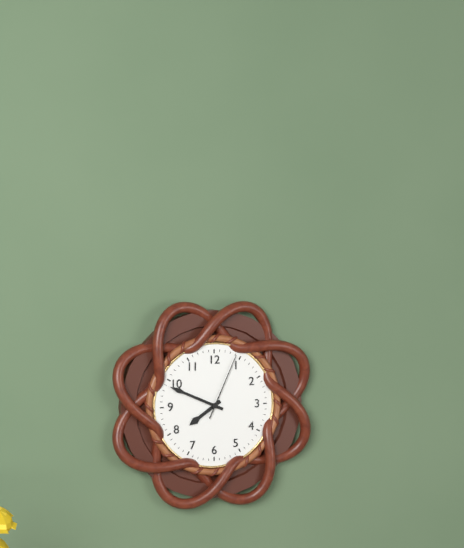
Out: {"hour": 7, "minute": 49, "second": 4}
